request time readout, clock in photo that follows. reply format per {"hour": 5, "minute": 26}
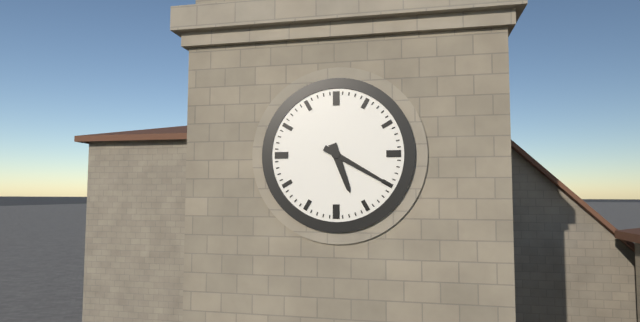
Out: {"hour": 5, "minute": 20}
